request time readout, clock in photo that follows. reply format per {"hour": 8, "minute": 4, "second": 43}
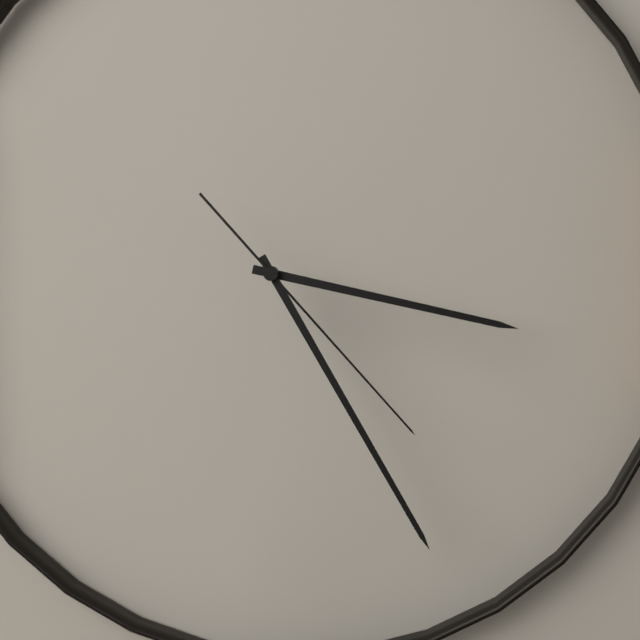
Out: {"hour": 3, "minute": 25, "second": 23}
